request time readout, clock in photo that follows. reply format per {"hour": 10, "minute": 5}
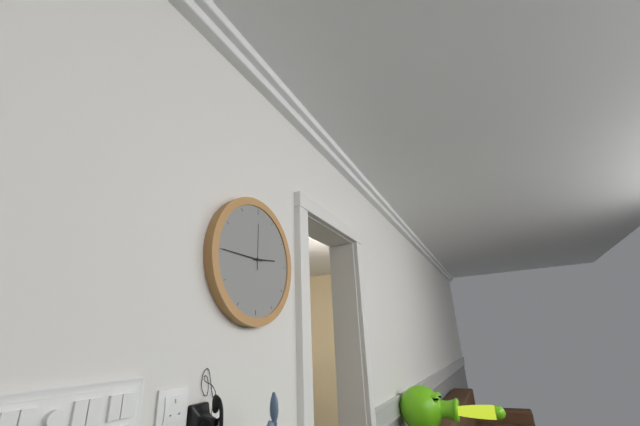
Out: {"hour": 2, "minute": 45}
